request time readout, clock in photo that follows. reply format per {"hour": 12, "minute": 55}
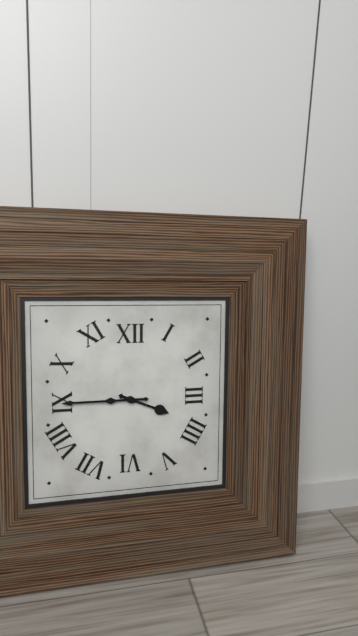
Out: {"hour": 3, "minute": 45}
